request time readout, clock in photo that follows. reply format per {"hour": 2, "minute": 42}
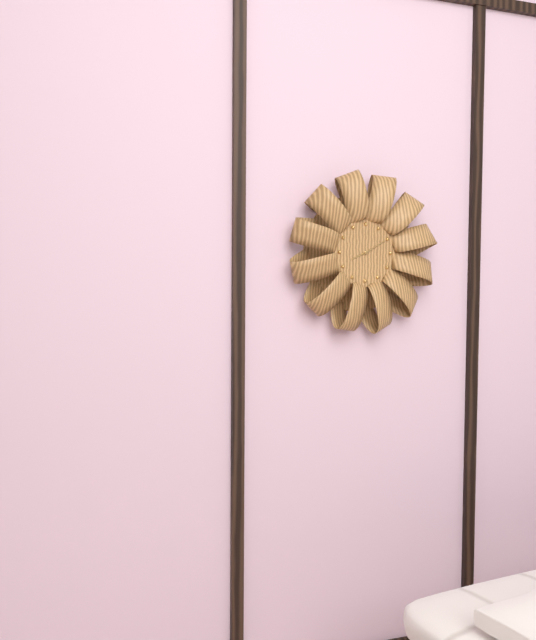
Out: {"hour": 8, "minute": 10}
